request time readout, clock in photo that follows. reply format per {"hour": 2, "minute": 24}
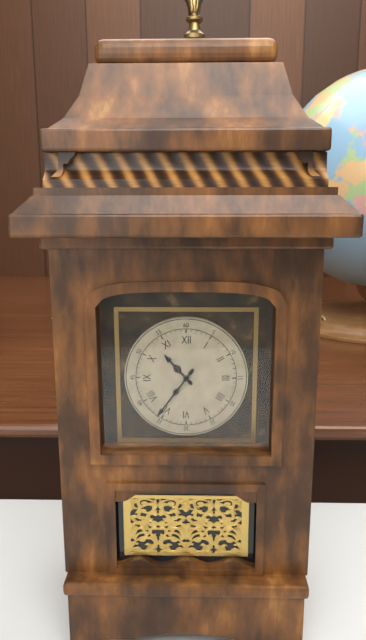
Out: {"hour": 10, "minute": 36}
